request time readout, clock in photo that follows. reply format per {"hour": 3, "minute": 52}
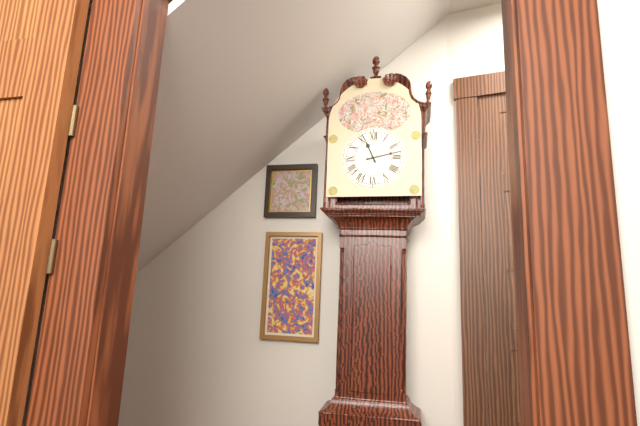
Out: {"hour": 11, "minute": 13}
